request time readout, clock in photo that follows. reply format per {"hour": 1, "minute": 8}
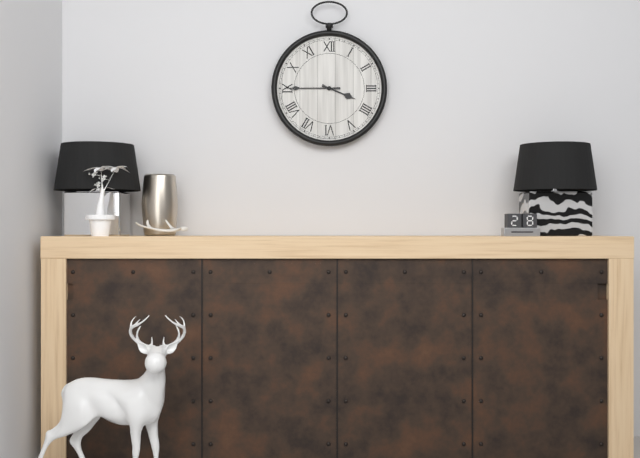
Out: {"hour": 3, "minute": 45}
